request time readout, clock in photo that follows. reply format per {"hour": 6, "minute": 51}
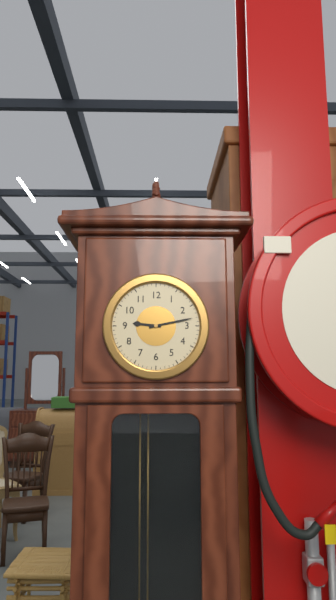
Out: {"hour": 9, "minute": 13}
